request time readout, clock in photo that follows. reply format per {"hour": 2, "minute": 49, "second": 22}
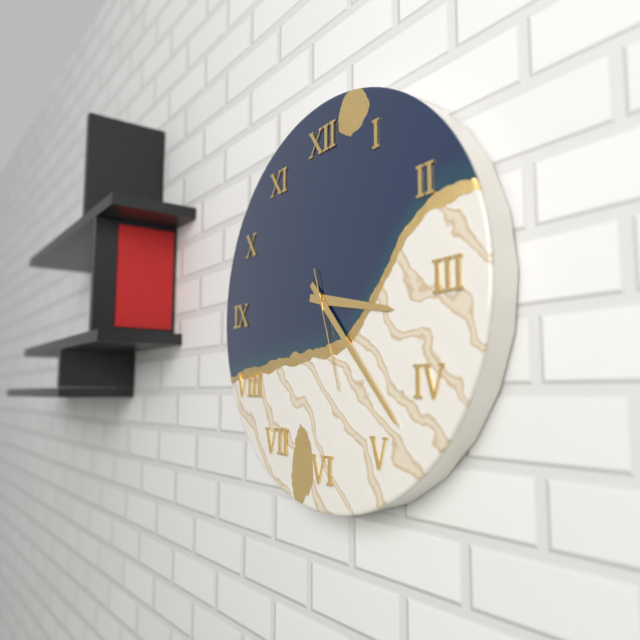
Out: {"hour": 3, "minute": 23, "second": 27}
